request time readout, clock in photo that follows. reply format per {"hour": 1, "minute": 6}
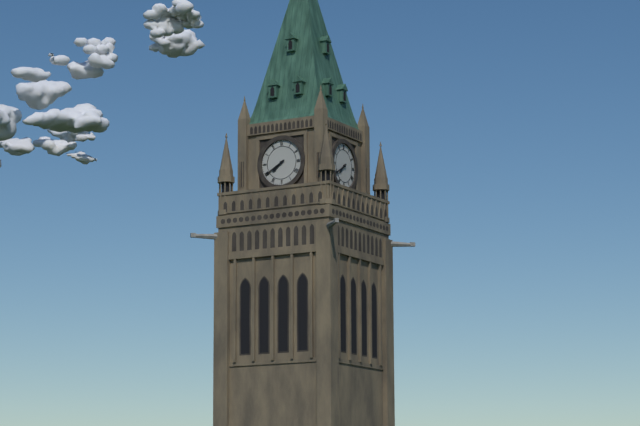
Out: {"hour": 7, "minute": 40}
